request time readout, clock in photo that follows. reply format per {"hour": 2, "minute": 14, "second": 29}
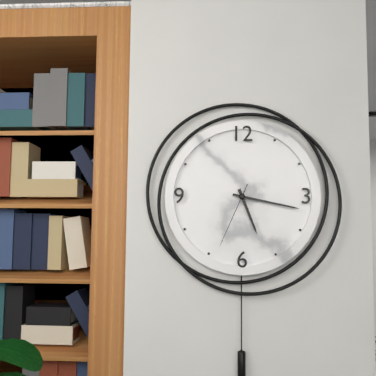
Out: {"hour": 5, "minute": 17, "second": 34}
